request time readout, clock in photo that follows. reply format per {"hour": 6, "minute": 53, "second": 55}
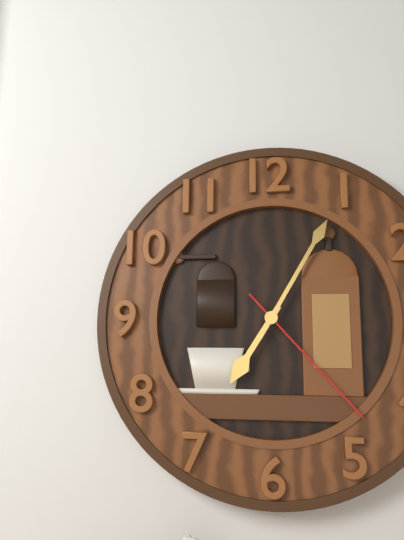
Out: {"hour": 7, "minute": 5, "second": 23}
